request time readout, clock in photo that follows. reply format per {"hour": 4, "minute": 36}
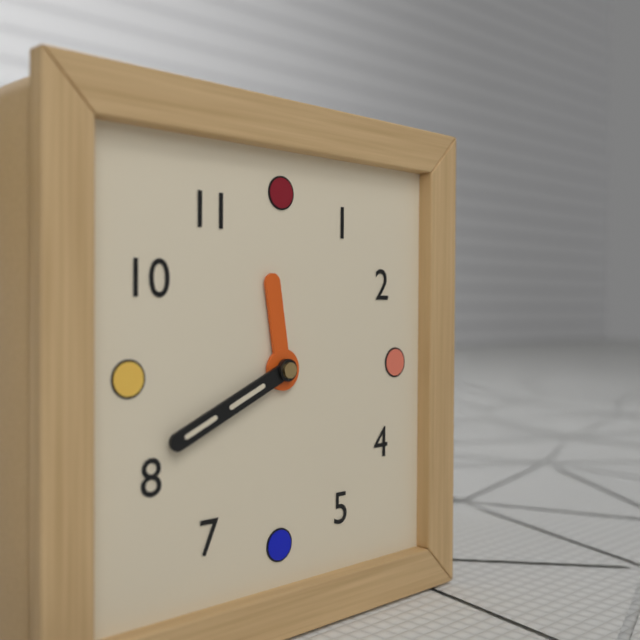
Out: {"hour": 11, "minute": 41}
